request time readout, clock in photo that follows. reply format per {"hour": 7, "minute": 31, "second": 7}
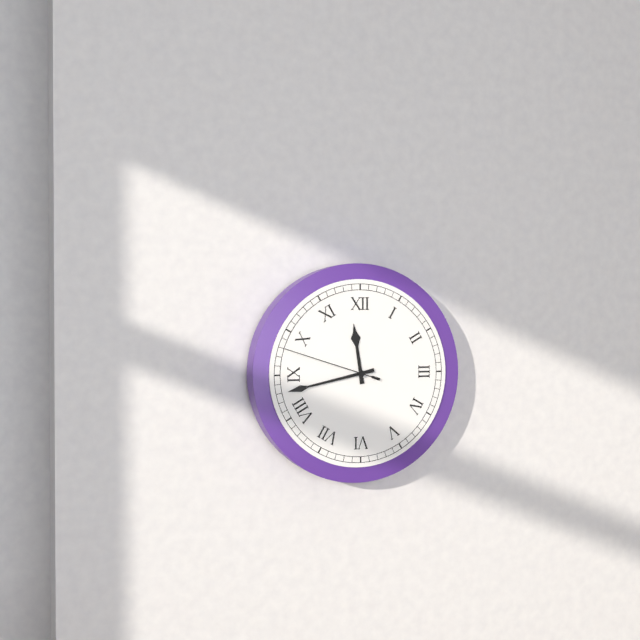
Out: {"hour": 11, "minute": 43, "second": 48}
